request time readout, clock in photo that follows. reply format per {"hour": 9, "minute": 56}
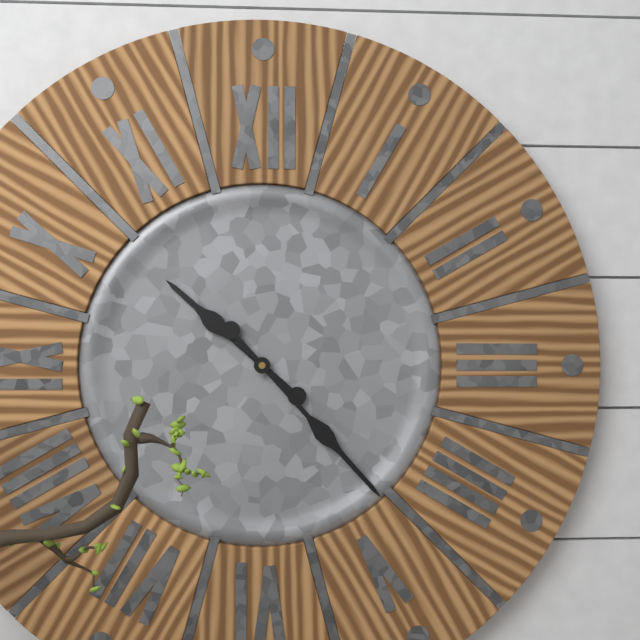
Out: {"hour": 10, "minute": 23}
